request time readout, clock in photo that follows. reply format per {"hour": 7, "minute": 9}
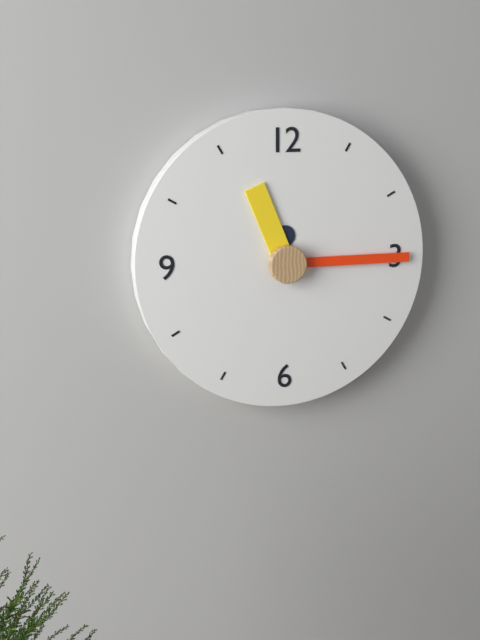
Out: {"hour": 11, "minute": 15}
